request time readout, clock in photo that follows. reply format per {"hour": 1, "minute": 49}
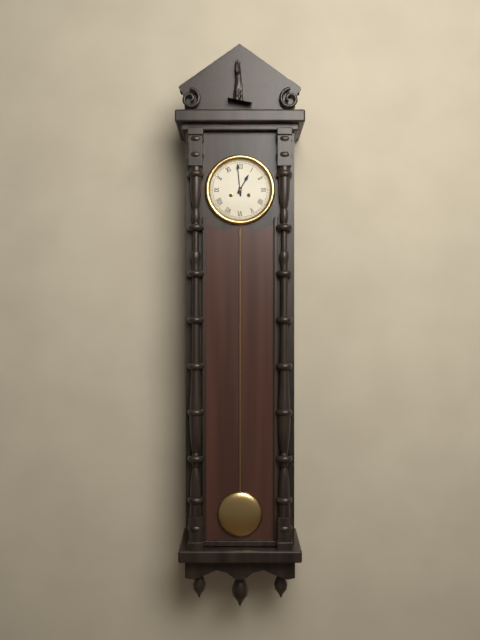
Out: {"hour": 12, "minute": 59}
